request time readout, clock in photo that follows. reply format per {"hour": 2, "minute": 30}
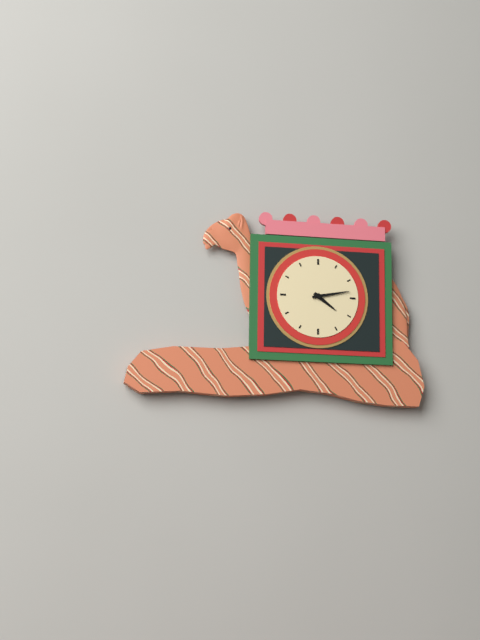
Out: {"hour": 4, "minute": 13}
